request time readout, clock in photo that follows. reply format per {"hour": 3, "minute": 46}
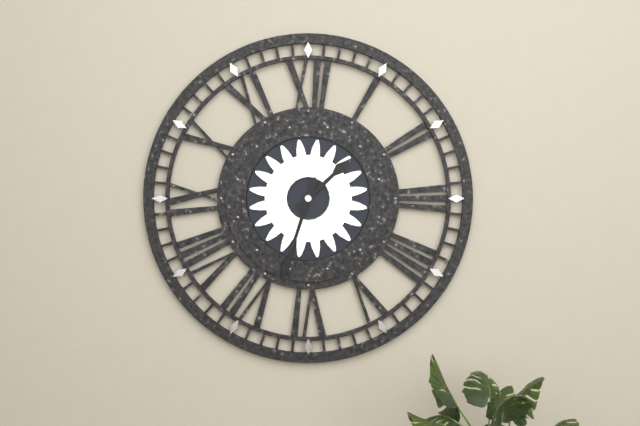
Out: {"hour": 1, "minute": 33}
